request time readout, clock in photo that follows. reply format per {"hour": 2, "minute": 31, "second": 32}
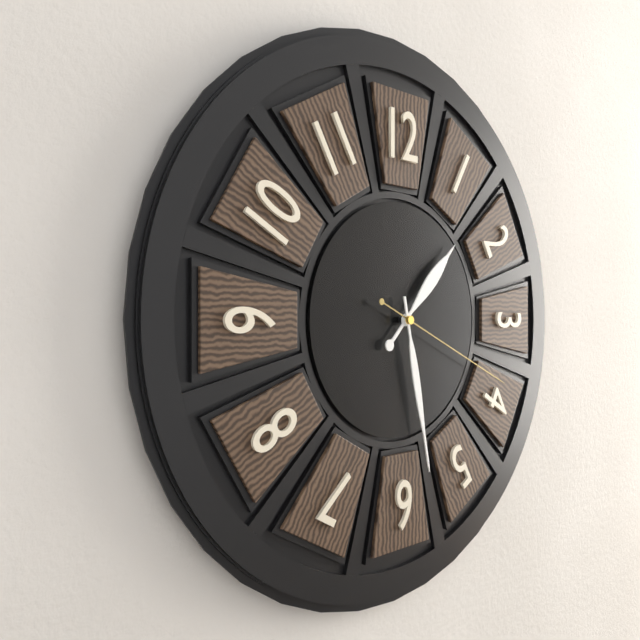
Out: {"hour": 1, "minute": 28, "second": 19}
